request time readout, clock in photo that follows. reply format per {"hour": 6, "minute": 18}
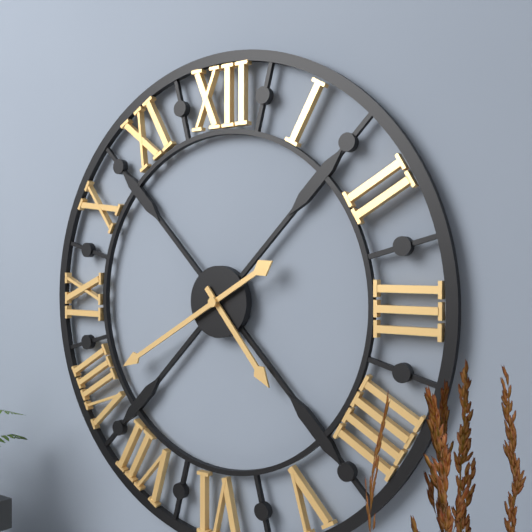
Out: {"hour": 4, "minute": 40}
